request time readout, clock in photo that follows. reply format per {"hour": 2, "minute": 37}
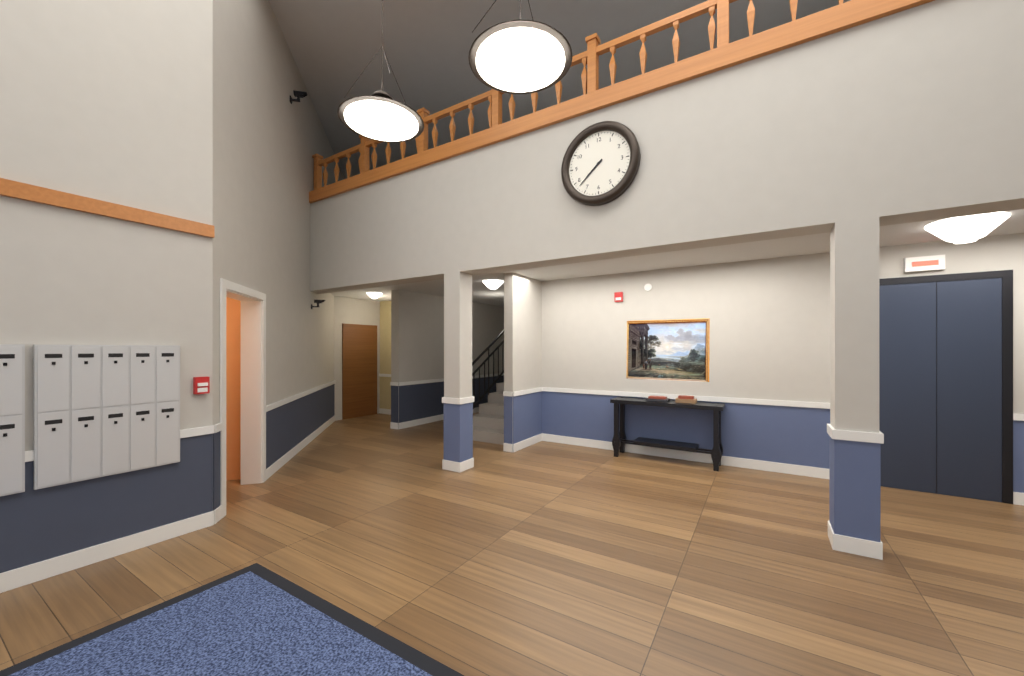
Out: {"hour": 7, "minute": 38}
